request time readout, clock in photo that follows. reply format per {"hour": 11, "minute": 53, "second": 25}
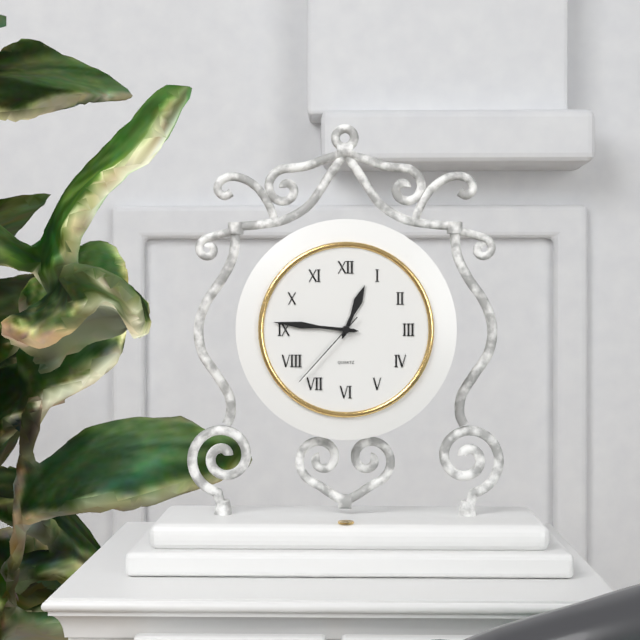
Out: {"hour": 12, "minute": 46, "second": 37}
